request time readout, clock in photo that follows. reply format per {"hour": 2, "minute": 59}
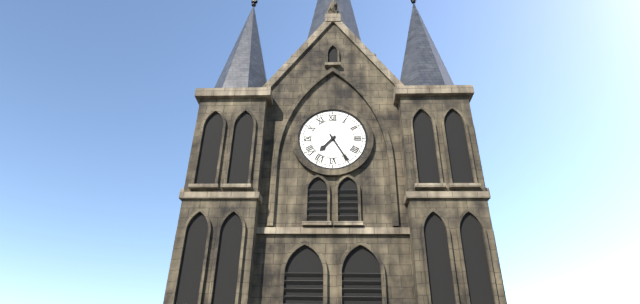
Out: {"hour": 7, "minute": 25}
